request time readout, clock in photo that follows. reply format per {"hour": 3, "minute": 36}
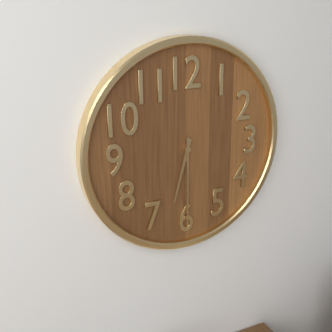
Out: {"hour": 6, "minute": 30}
